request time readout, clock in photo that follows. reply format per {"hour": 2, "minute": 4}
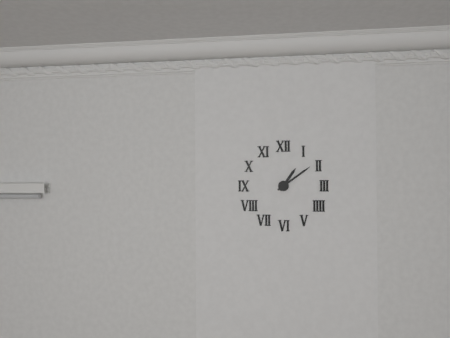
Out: {"hour": 1, "minute": 9}
